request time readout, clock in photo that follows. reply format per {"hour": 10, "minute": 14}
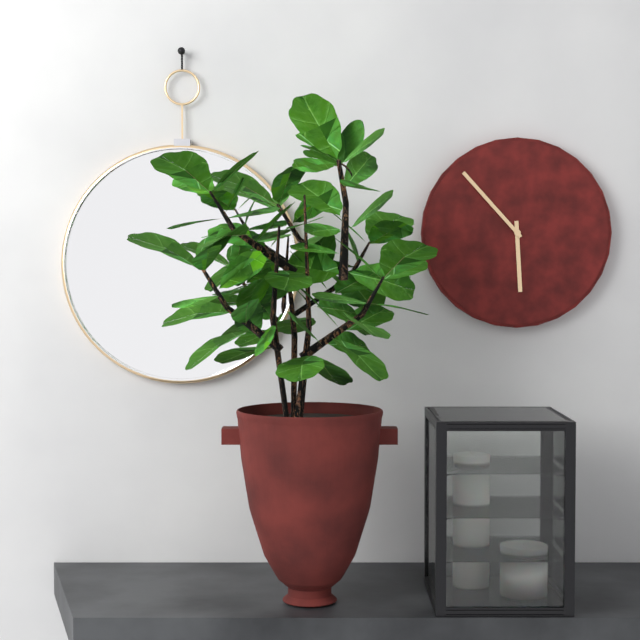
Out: {"hour": 5, "minute": 53}
